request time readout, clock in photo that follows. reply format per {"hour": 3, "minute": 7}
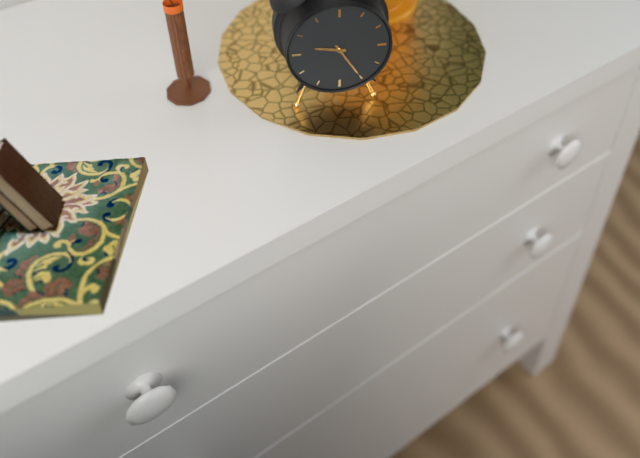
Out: {"hour": 9, "minute": 25}
